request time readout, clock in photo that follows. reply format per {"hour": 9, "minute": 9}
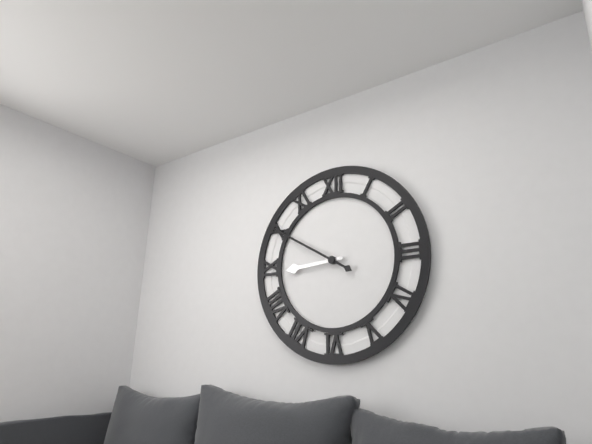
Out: {"hour": 8, "minute": 50}
